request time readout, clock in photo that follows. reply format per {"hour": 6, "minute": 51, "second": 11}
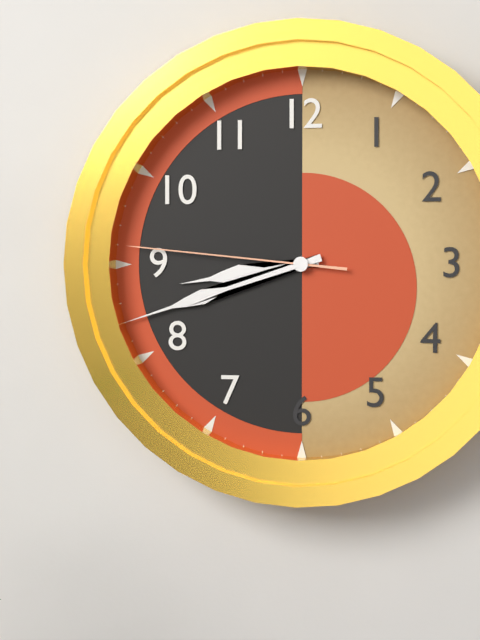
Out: {"hour": 8, "minute": 42, "second": 46}
